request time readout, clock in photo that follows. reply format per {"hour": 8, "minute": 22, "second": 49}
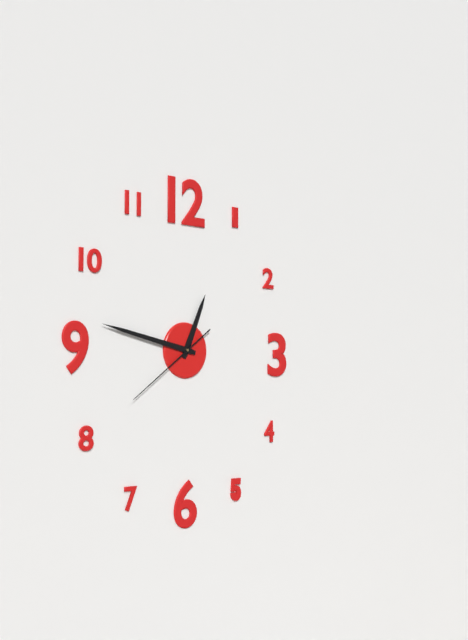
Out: {"hour": 12, "minute": 47, "second": 39}
